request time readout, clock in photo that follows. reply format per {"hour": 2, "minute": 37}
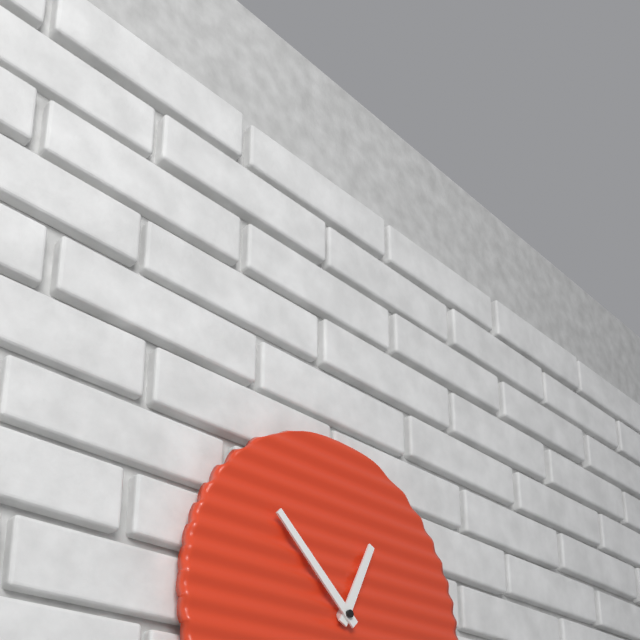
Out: {"hour": 12, "minute": 52}
